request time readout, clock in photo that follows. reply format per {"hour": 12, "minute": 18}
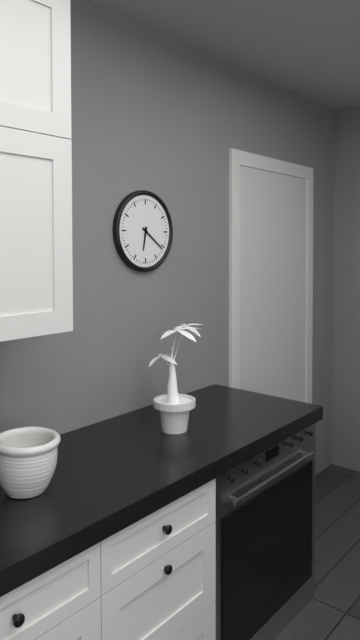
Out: {"hour": 6, "minute": 21}
